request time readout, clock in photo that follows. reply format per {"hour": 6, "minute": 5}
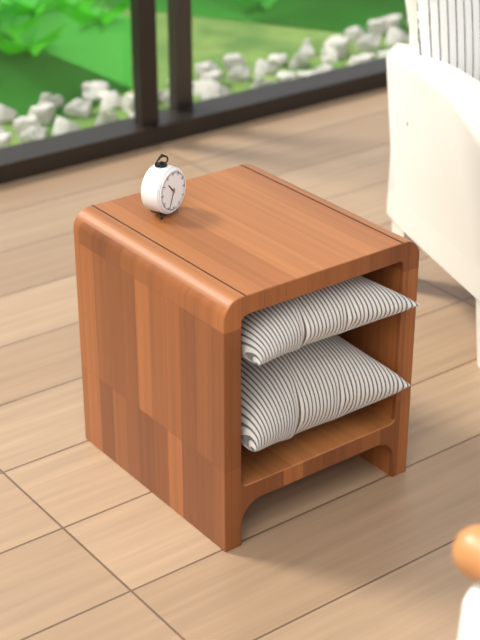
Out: {"hour": 10, "minute": 34}
